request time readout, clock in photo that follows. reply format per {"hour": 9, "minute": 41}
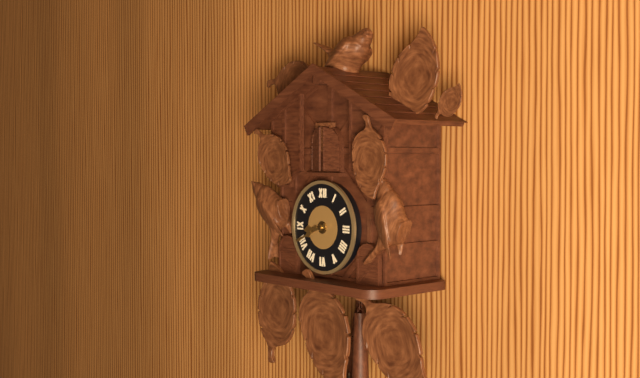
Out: {"hour": 8, "minute": 41}
